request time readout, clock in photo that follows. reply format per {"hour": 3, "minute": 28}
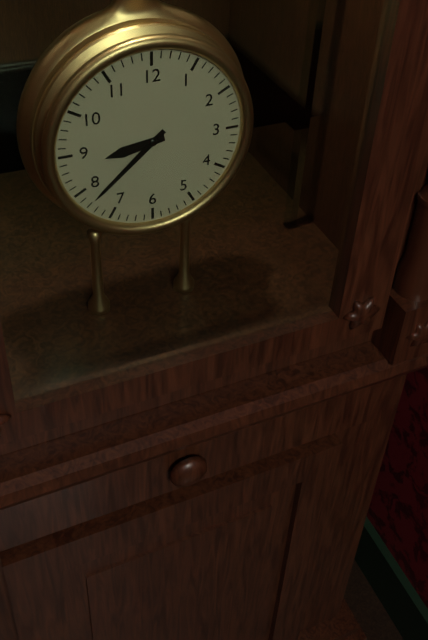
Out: {"hour": 8, "minute": 38}
